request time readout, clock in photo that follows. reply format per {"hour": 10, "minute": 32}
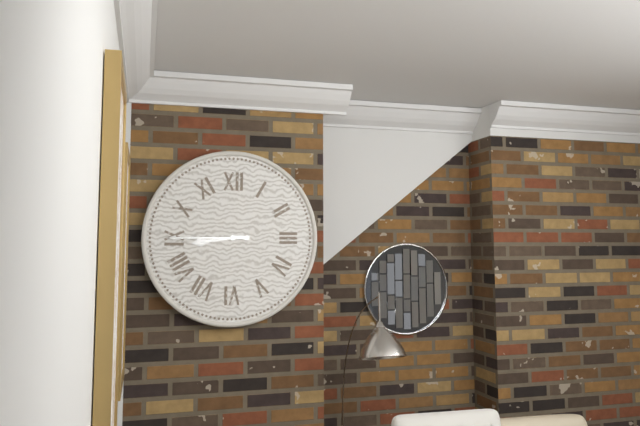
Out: {"hour": 8, "minute": 45}
